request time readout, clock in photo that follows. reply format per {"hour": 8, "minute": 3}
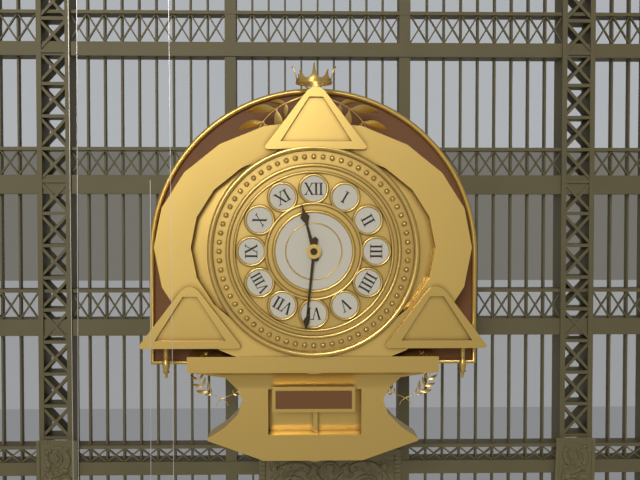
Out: {"hour": 11, "minute": 31}
